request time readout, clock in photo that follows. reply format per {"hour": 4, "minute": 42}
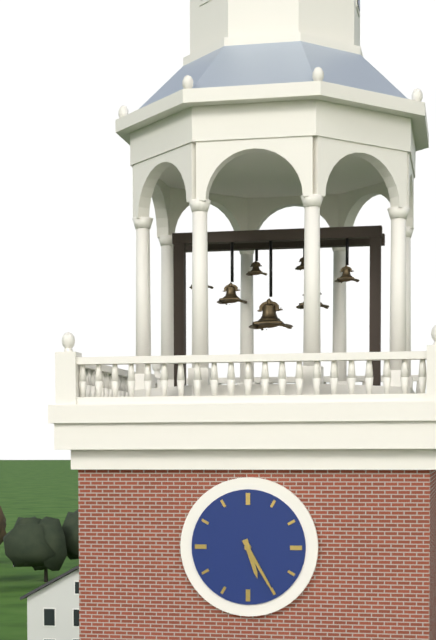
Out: {"hour": 5, "minute": 25}
